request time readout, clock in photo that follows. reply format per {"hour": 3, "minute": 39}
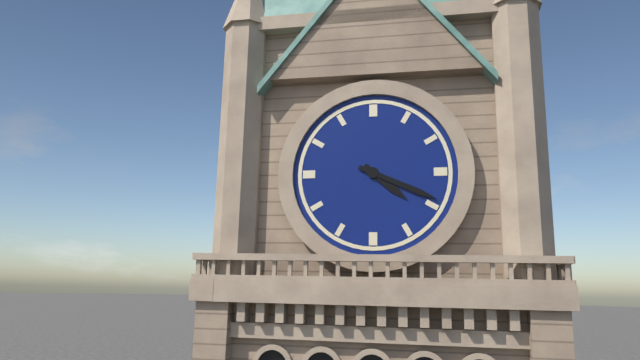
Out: {"hour": 4, "minute": 19}
